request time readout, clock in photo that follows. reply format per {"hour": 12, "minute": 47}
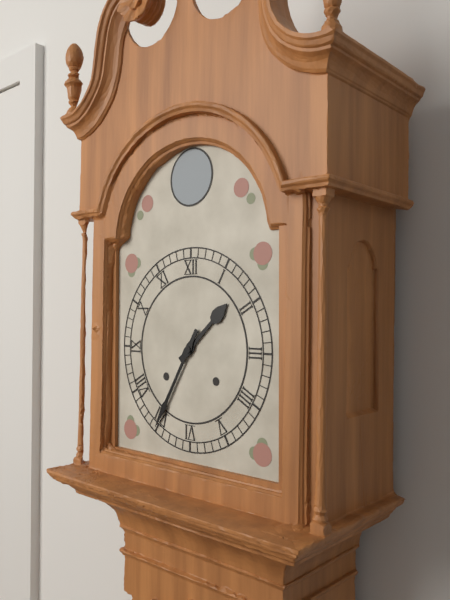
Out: {"hour": 1, "minute": 35}
